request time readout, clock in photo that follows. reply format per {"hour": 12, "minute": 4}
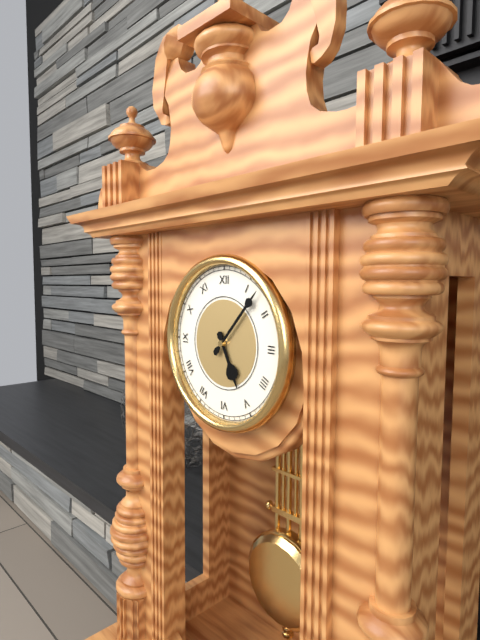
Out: {"hour": 5, "minute": 7}
